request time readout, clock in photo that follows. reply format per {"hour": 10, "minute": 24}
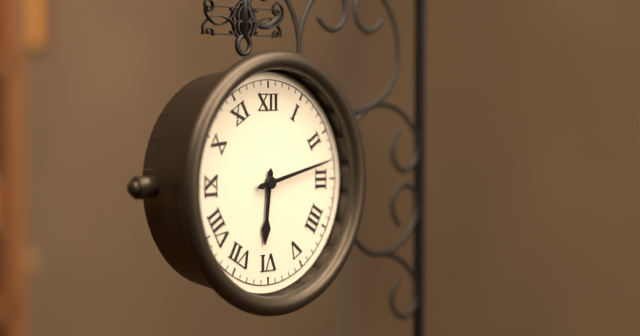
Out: {"hour": 6, "minute": 13}
